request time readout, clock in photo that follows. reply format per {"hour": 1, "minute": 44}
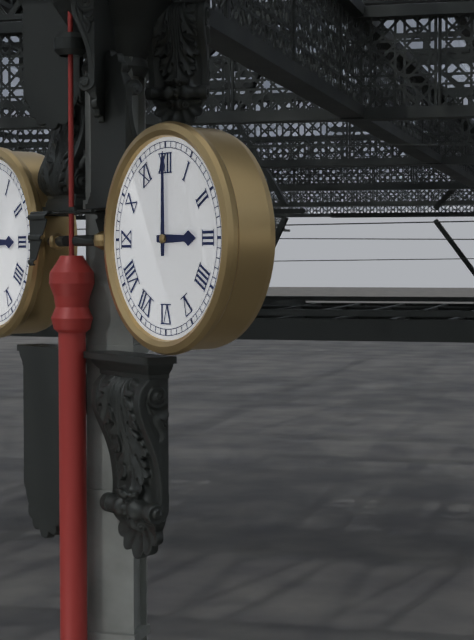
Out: {"hour": 3, "minute": 0}
